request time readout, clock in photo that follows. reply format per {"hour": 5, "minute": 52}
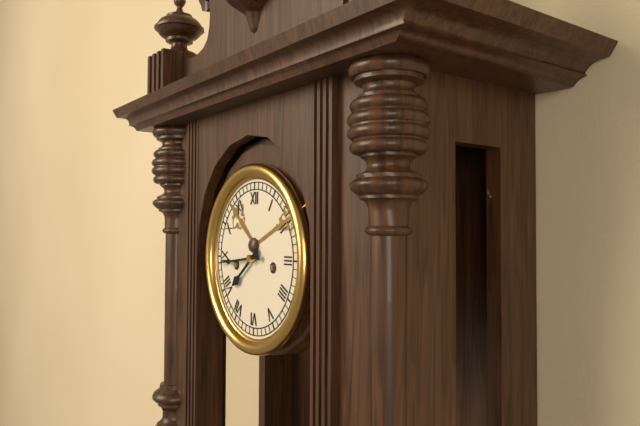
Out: {"hour": 7, "minute": 44}
